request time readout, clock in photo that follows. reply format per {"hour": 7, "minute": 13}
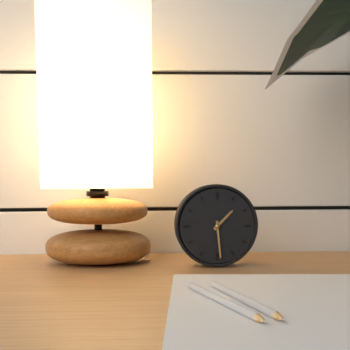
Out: {"hour": 1, "minute": 29}
